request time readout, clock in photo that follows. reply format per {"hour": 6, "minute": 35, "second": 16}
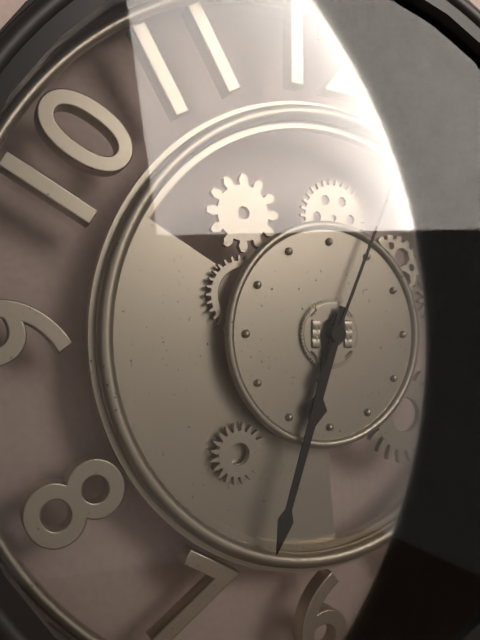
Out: {"hour": 6, "minute": 33, "second": 4}
